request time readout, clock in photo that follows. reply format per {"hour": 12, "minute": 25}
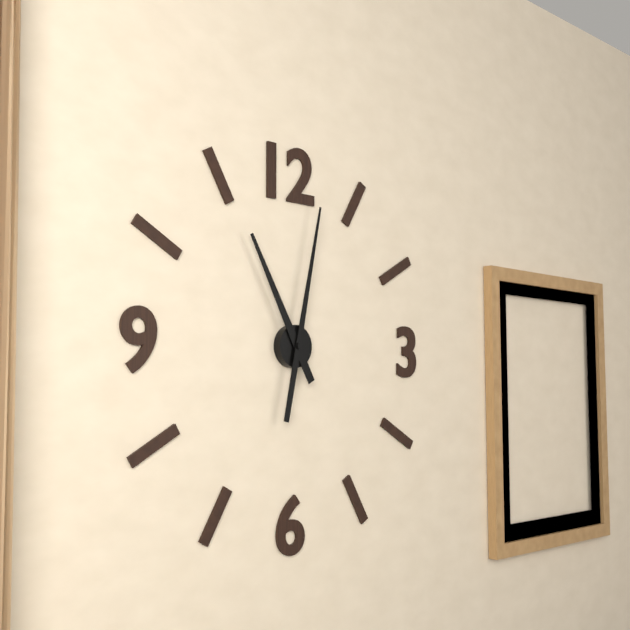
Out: {"hour": 11, "minute": 2}
